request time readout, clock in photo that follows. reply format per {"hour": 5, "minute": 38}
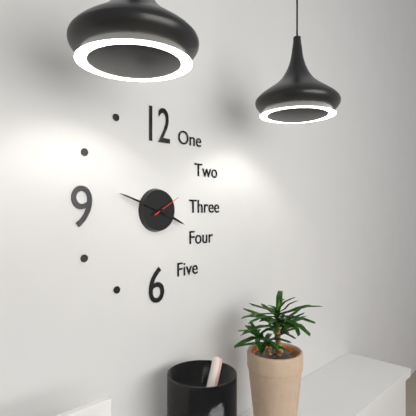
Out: {"hour": 3, "minute": 48}
